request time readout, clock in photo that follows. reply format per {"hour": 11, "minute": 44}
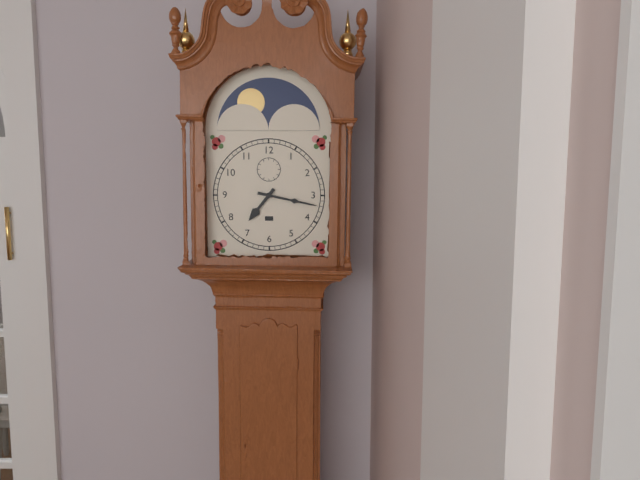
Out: {"hour": 7, "minute": 17}
